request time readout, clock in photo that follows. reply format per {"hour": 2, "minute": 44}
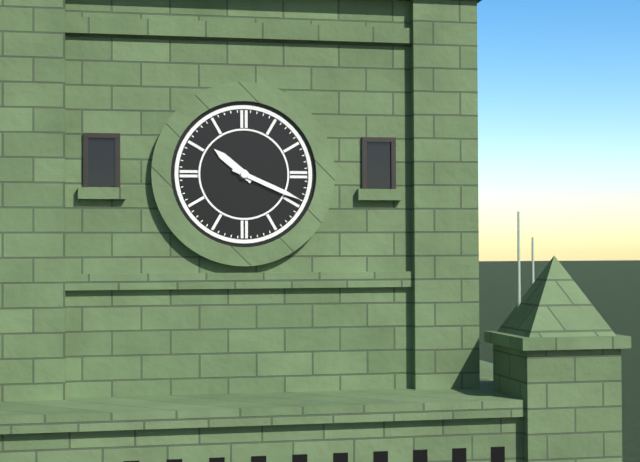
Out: {"hour": 10, "minute": 19}
